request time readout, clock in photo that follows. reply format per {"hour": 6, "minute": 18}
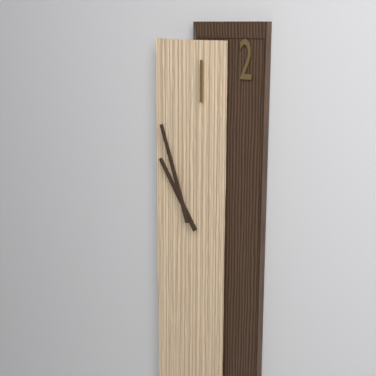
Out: {"hour": 10, "minute": 57}
